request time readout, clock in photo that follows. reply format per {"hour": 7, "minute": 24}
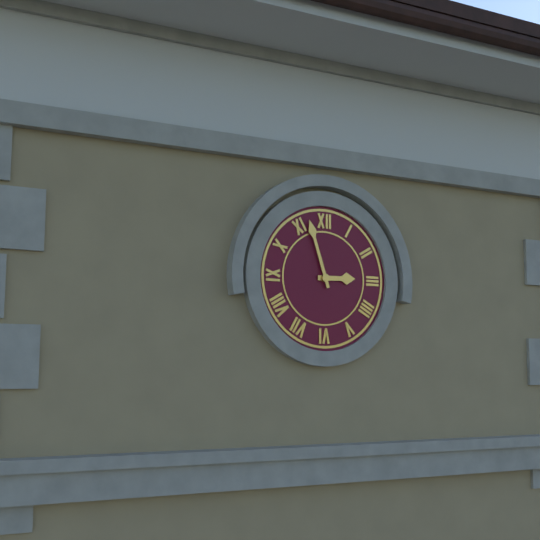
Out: {"hour": 2, "minute": 57}
